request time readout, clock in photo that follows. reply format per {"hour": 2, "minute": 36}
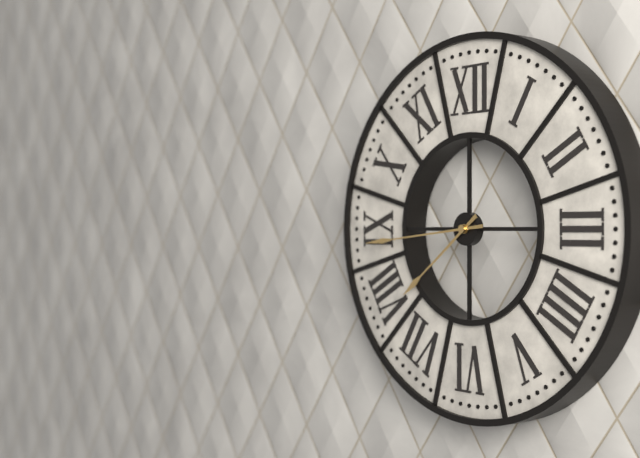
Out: {"hour": 7, "minute": 44}
